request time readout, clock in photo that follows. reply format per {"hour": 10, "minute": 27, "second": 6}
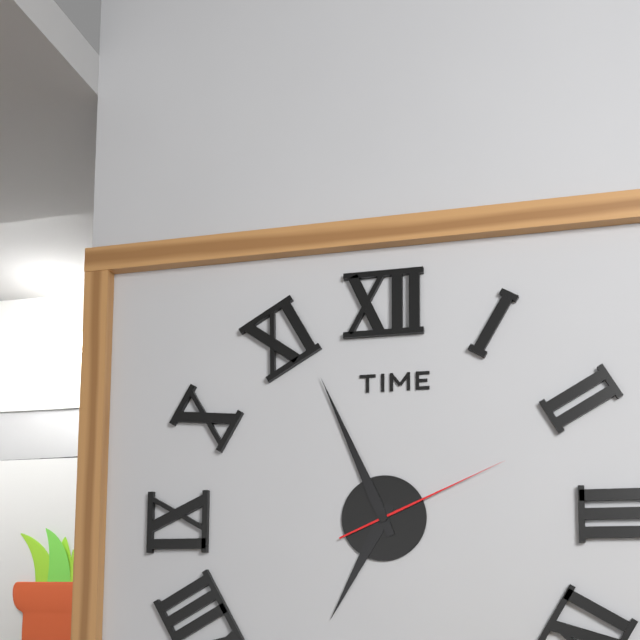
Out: {"hour": 6, "minute": 56, "second": 11}
